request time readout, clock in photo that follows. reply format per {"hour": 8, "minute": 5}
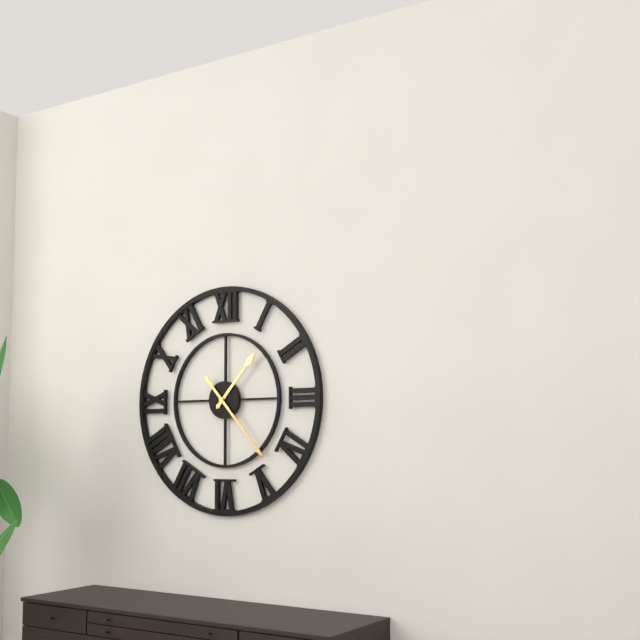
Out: {"hour": 1, "minute": 23}
